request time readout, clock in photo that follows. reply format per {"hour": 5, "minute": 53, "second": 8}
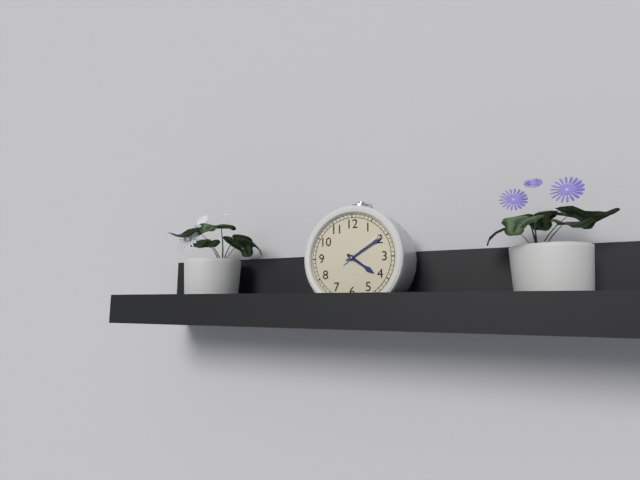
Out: {"hour": 4, "minute": 10, "second": 9}
